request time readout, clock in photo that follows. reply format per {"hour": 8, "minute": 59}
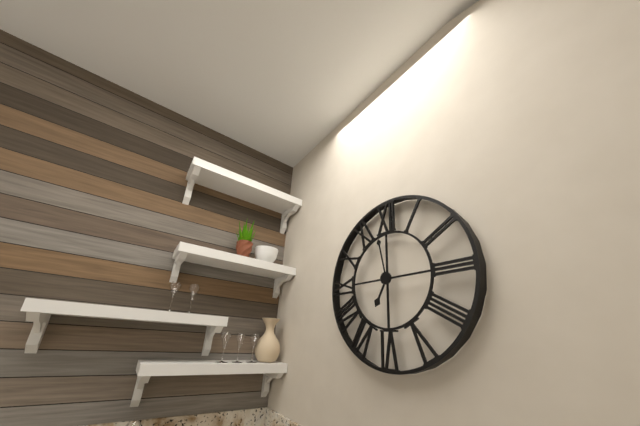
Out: {"hour": 6, "minute": 58}
